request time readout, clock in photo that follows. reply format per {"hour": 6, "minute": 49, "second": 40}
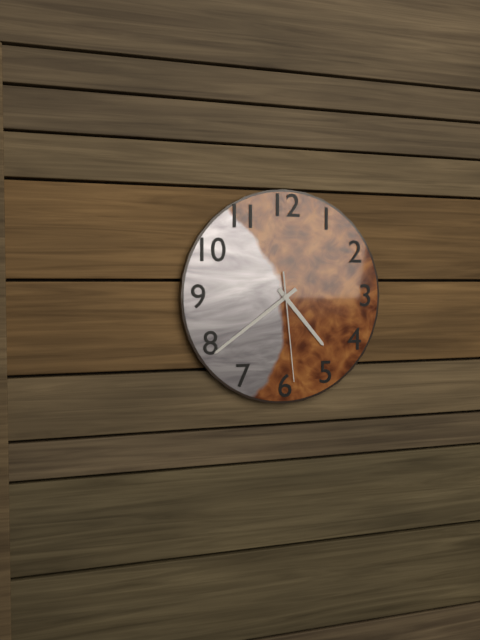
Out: {"hour": 4, "minute": 39, "second": 29}
